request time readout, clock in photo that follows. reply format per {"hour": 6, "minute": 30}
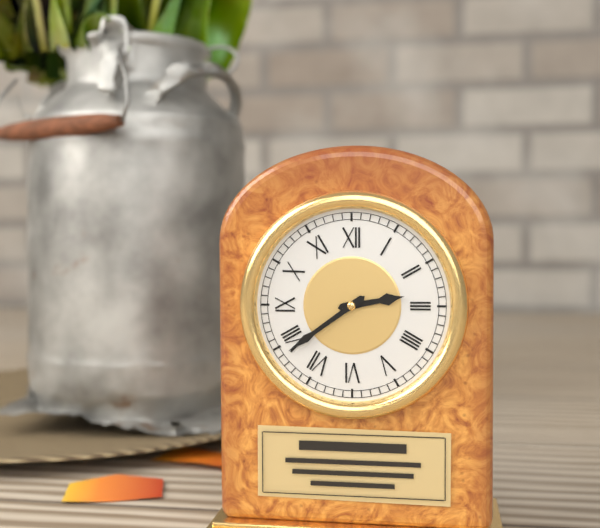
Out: {"hour": 2, "minute": 39}
